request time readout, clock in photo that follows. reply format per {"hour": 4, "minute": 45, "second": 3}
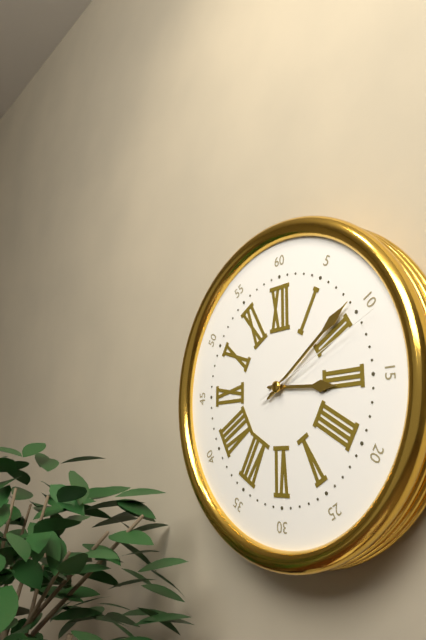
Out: {"hour": 3, "minute": 9, "second": 11}
